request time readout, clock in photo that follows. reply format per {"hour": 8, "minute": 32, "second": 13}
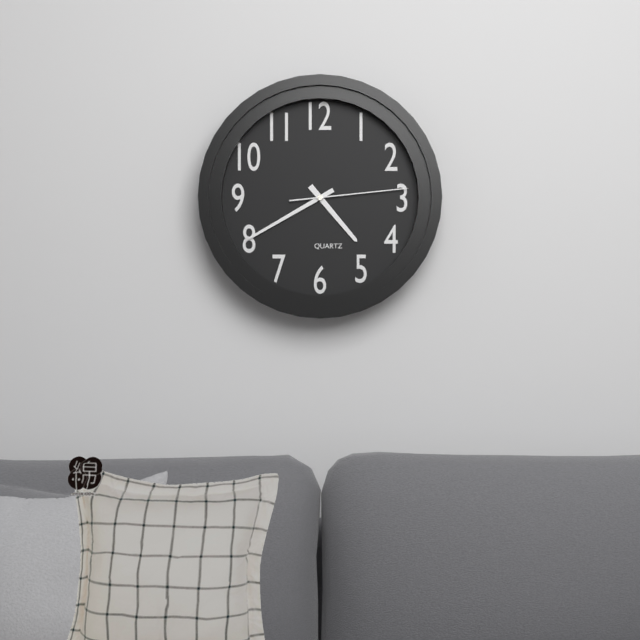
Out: {"hour": 4, "minute": 40, "second": 14}
